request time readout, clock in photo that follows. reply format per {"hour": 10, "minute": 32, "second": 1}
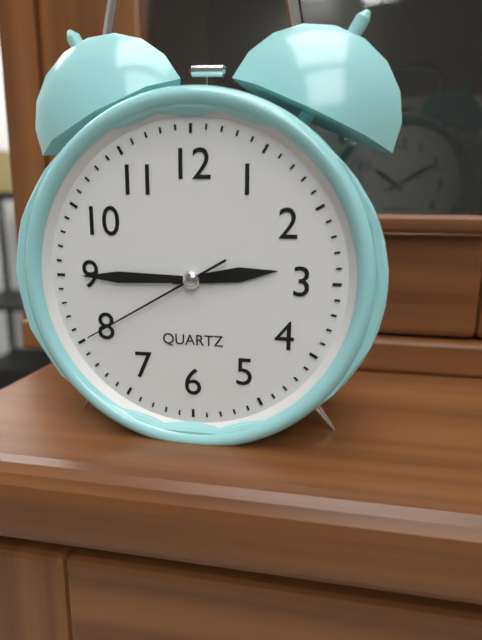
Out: {"hour": 2, "minute": 45, "second": 40}
